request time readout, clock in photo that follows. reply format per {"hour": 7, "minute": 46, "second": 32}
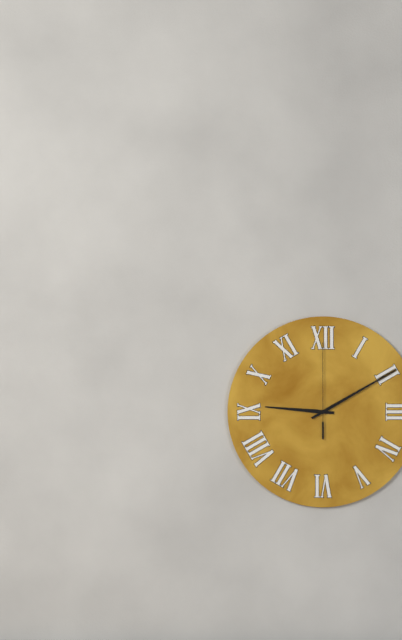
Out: {"hour": 9, "minute": 10, "second": 0}
